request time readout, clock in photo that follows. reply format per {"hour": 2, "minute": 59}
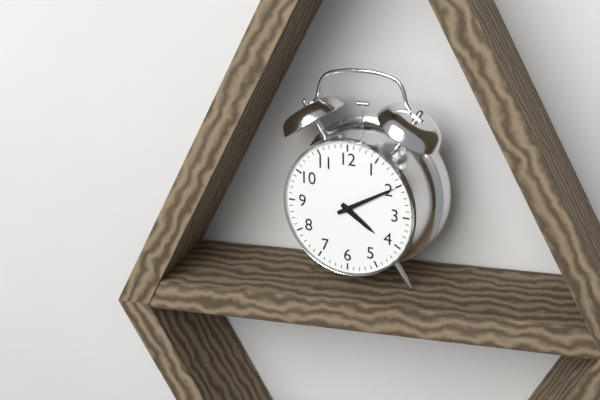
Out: {"hour": 4, "minute": 10}
